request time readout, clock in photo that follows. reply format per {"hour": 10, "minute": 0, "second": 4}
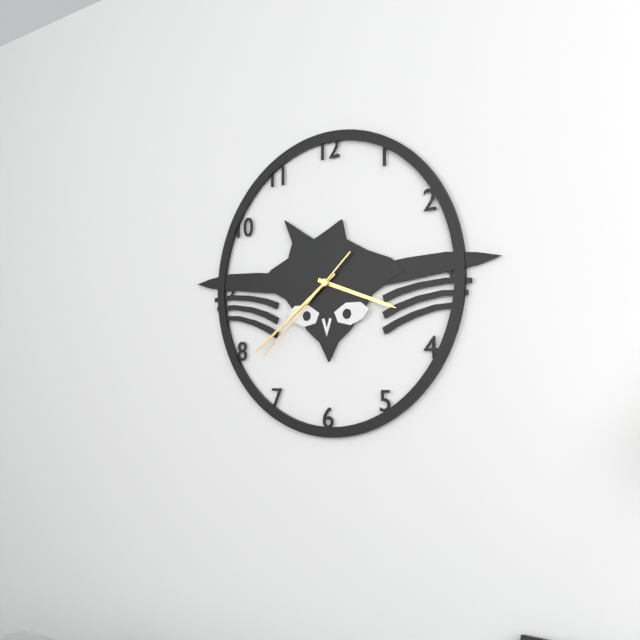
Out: {"hour": 3, "minute": 39, "second": 38}
